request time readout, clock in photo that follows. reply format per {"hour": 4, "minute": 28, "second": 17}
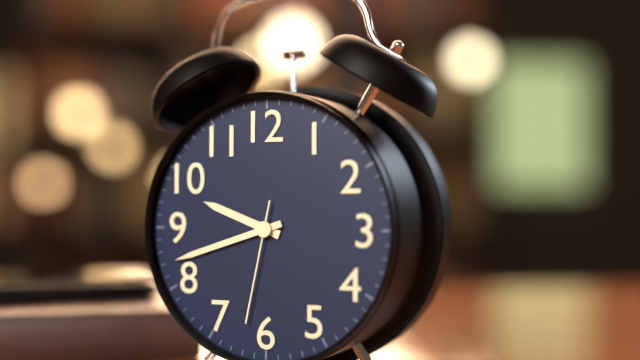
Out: {"hour": 9, "minute": 42, "second": 32}
